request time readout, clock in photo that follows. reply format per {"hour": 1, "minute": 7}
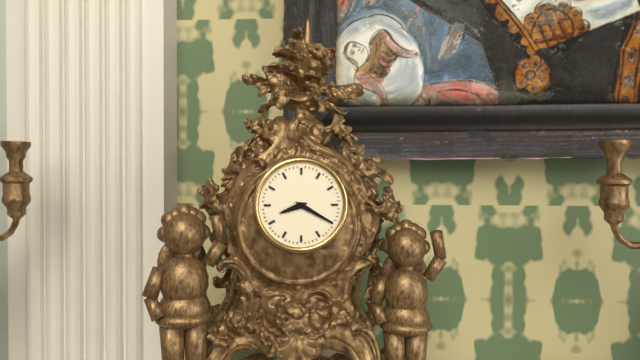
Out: {"hour": 8, "minute": 20}
